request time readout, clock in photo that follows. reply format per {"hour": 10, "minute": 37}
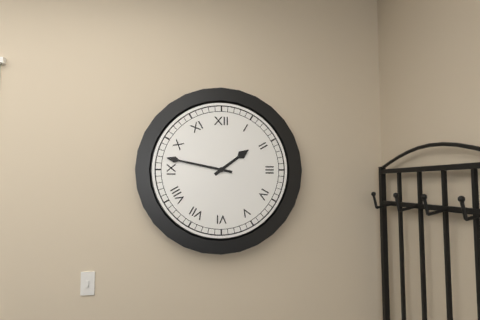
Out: {"hour": 1, "minute": 47}
